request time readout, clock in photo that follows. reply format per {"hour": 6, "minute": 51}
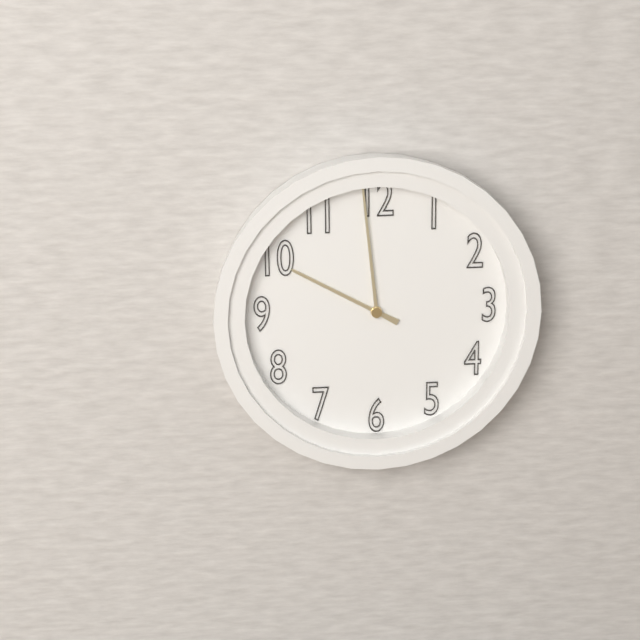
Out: {"hour": 9, "minute": 59}
